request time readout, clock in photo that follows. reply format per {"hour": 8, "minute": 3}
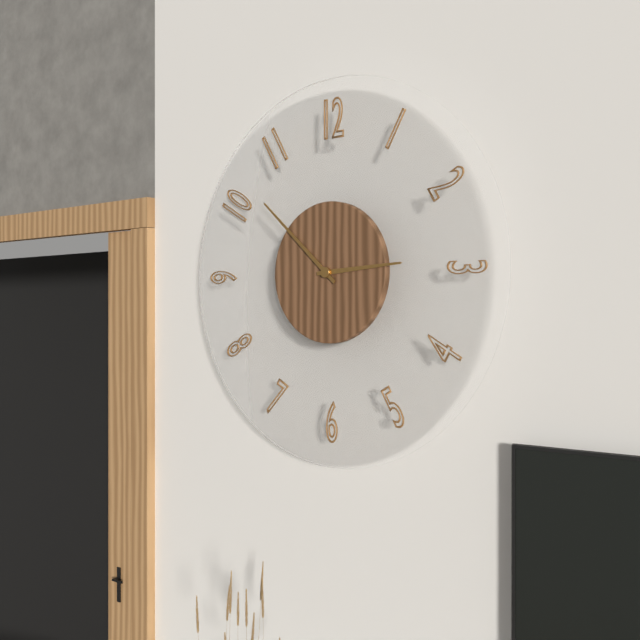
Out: {"hour": 2, "minute": 52}
